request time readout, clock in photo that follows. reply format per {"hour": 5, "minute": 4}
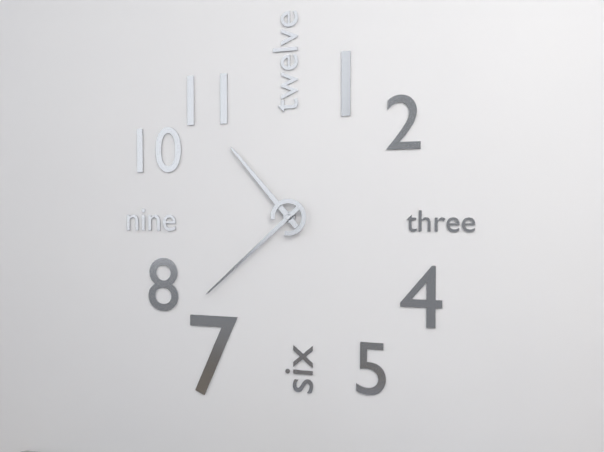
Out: {"hour": 10, "minute": 38}
